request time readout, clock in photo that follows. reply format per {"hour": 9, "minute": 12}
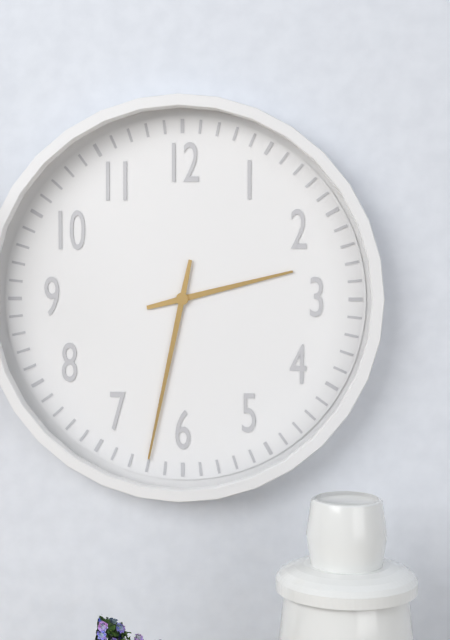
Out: {"hour": 2, "minute": 32}
